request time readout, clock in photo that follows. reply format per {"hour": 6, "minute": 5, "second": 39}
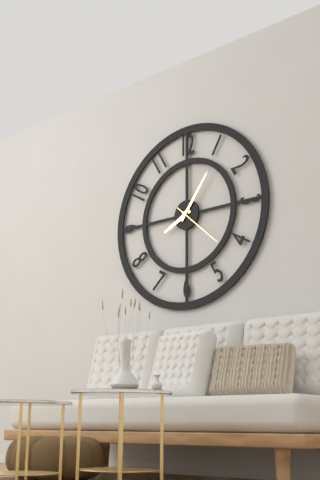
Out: {"hour": 8, "minute": 6, "second": 22}
